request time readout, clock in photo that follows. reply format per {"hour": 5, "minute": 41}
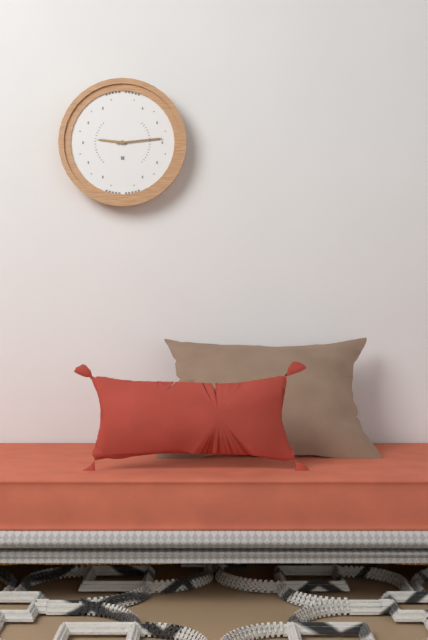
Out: {"hour": 9, "minute": 14}
